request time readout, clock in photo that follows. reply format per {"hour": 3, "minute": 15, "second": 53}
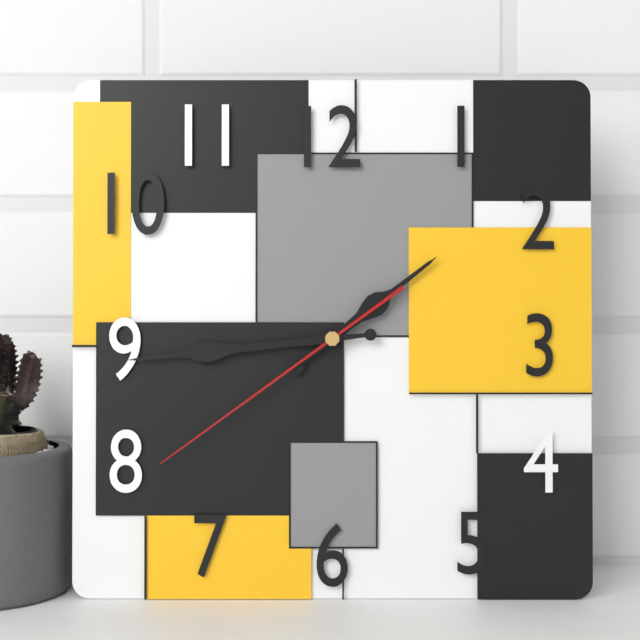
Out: {"hour": 1, "minute": 44, "second": 39}
